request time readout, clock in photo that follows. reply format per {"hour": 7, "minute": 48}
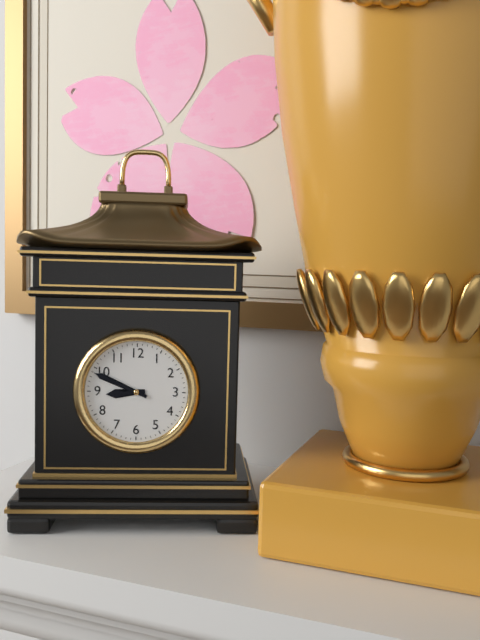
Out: {"hour": 8, "minute": 49}
